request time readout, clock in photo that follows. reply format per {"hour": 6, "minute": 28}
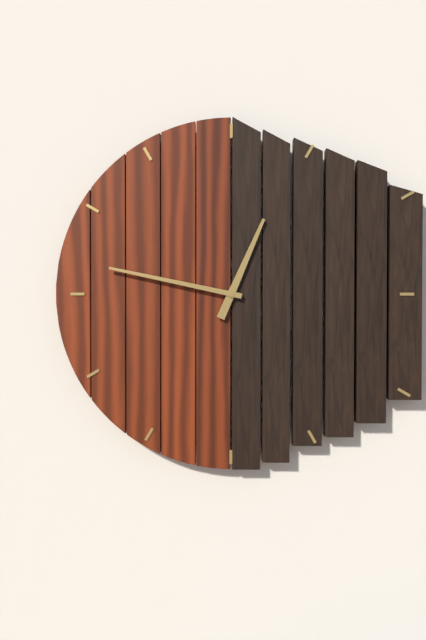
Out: {"hour": 12, "minute": 47}
